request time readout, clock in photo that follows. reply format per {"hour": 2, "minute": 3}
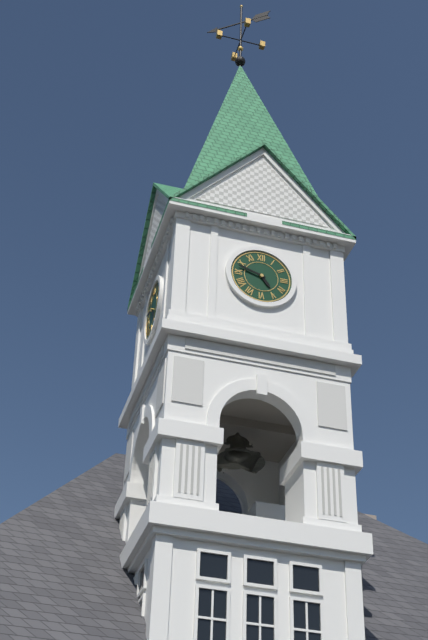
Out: {"hour": 4, "minute": 48}
